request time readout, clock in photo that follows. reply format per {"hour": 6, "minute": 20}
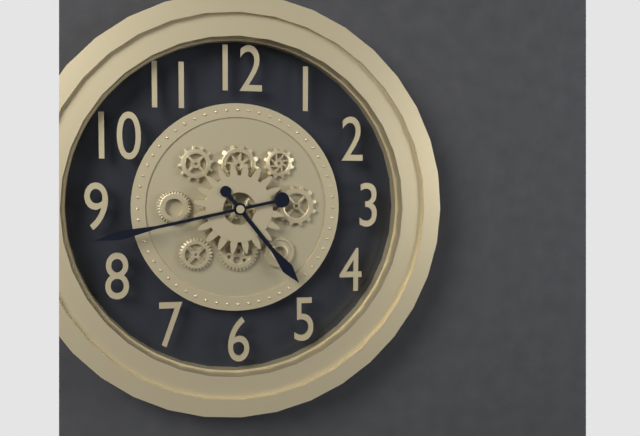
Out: {"hour": 4, "minute": 43}
